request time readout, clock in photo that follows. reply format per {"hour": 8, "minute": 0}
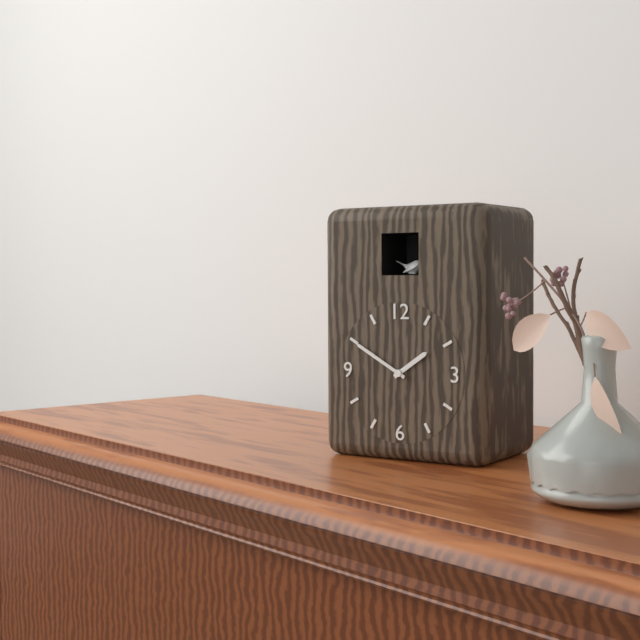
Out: {"hour": 1, "minute": 50}
